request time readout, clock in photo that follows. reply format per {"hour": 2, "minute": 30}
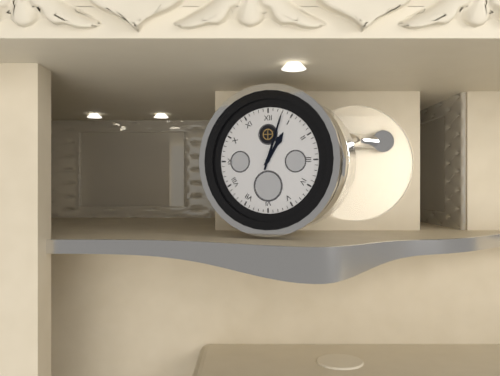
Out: {"hour": 1, "minute": 3}
